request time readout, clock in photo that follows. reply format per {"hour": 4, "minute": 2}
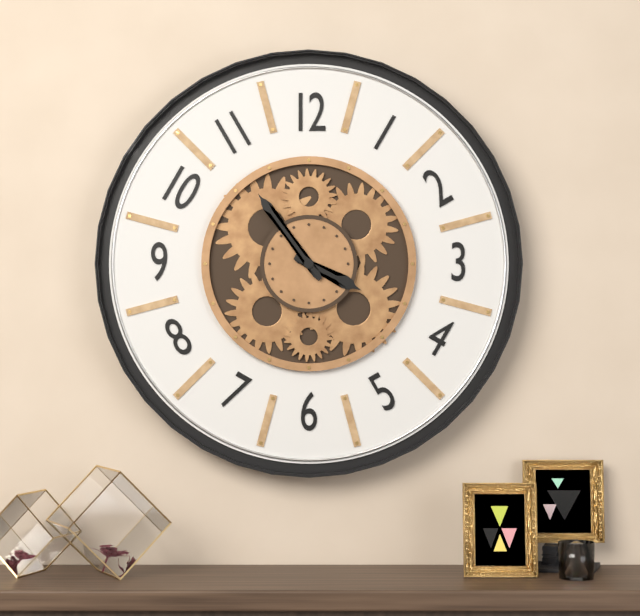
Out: {"hour": 3, "minute": 54}
